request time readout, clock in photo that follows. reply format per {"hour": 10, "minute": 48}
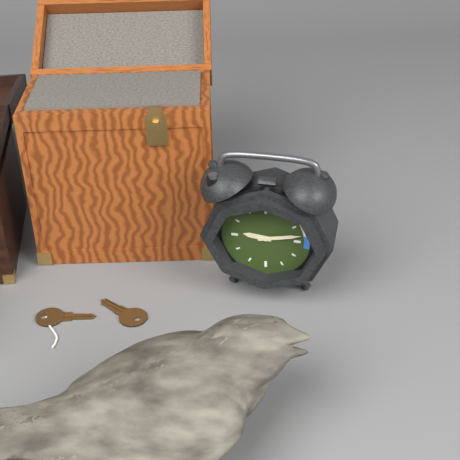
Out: {"hour": 9, "minute": 13}
